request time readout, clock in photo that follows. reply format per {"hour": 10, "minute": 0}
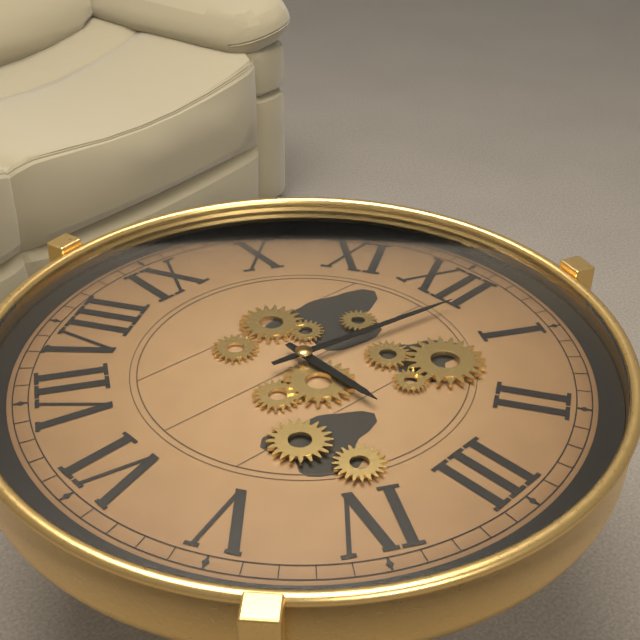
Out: {"hour": 3, "minute": 2}
